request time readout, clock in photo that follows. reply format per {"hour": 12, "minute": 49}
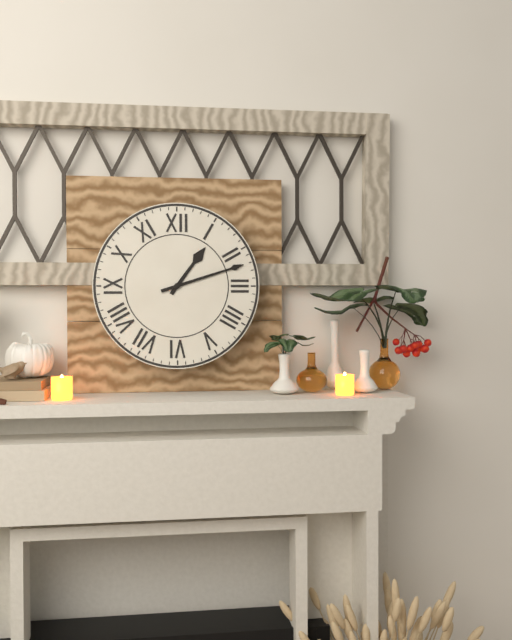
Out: {"hour": 1, "minute": 12}
